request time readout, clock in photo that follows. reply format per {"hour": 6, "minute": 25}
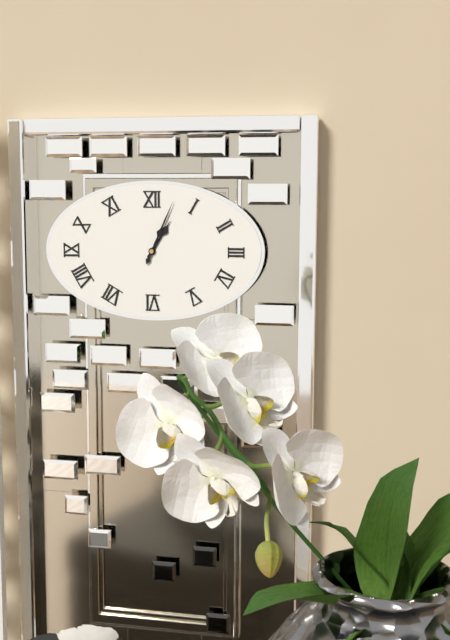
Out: {"hour": 1, "minute": 4}
